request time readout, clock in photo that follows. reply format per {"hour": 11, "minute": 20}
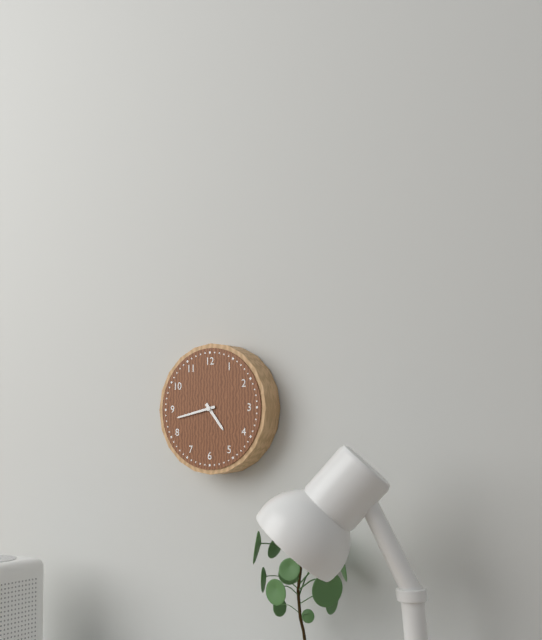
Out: {"hour": 4, "minute": 43}
